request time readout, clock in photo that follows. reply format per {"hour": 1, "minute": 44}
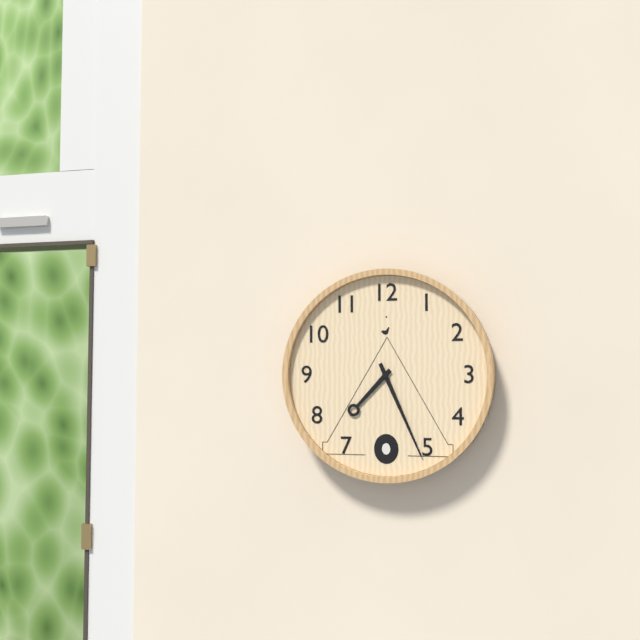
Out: {"hour": 7, "minute": 26}
